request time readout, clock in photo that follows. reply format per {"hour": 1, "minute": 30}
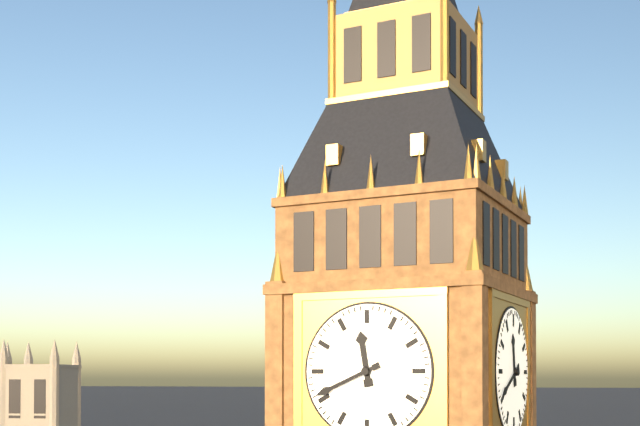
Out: {"hour": 11, "minute": 41}
